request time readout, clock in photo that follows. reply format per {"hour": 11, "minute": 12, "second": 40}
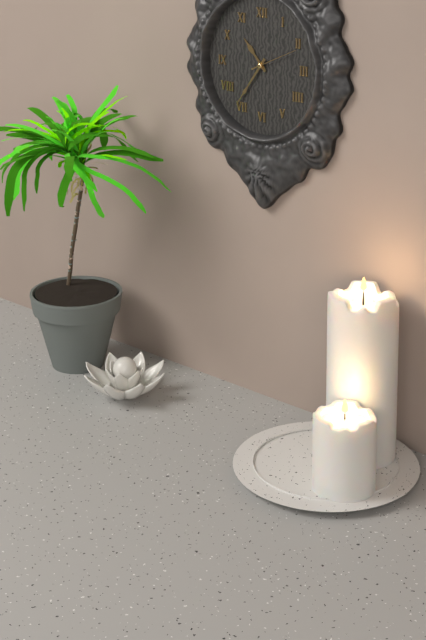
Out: {"hour": 10, "minute": 36, "second": 11}
